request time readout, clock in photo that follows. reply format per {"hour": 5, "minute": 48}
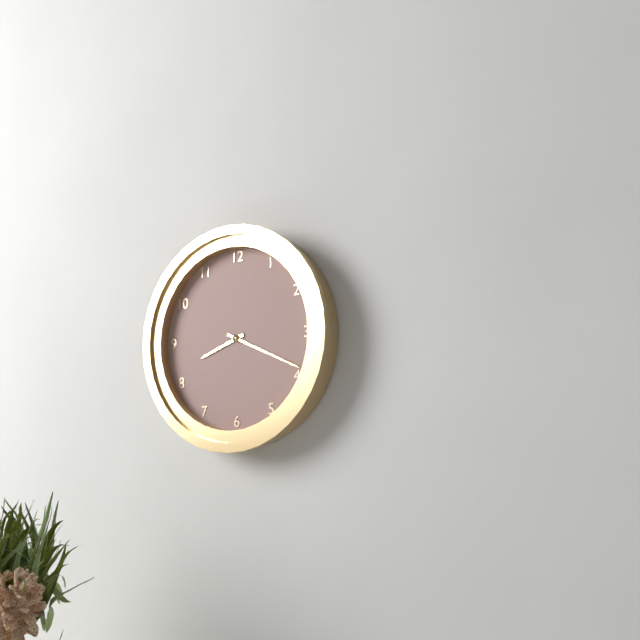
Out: {"hour": 8, "minute": 19}
